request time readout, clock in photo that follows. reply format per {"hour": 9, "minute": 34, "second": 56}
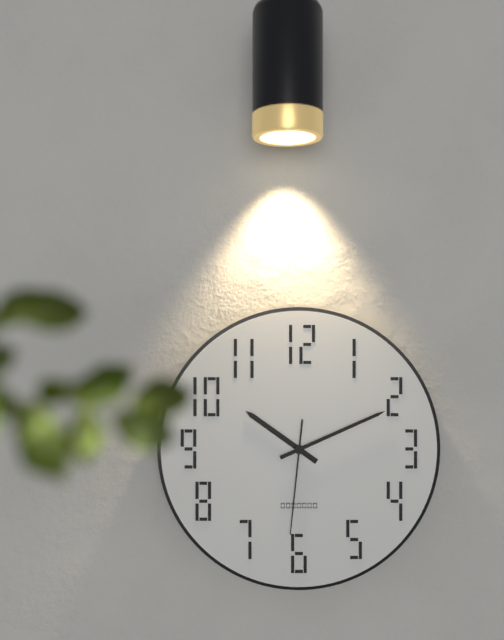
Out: {"hour": 10, "minute": 11, "second": 31}
